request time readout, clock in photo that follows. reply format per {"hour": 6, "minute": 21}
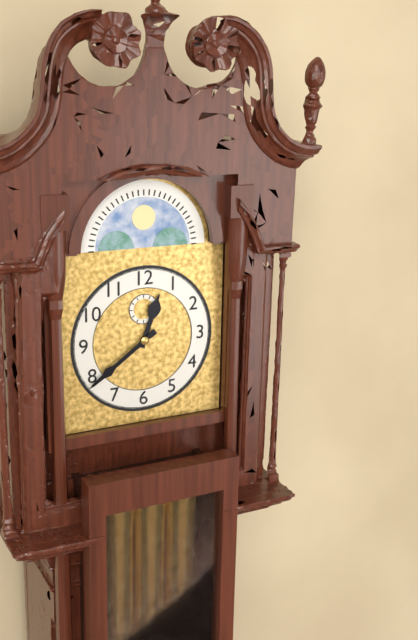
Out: {"hour": 12, "minute": 39}
